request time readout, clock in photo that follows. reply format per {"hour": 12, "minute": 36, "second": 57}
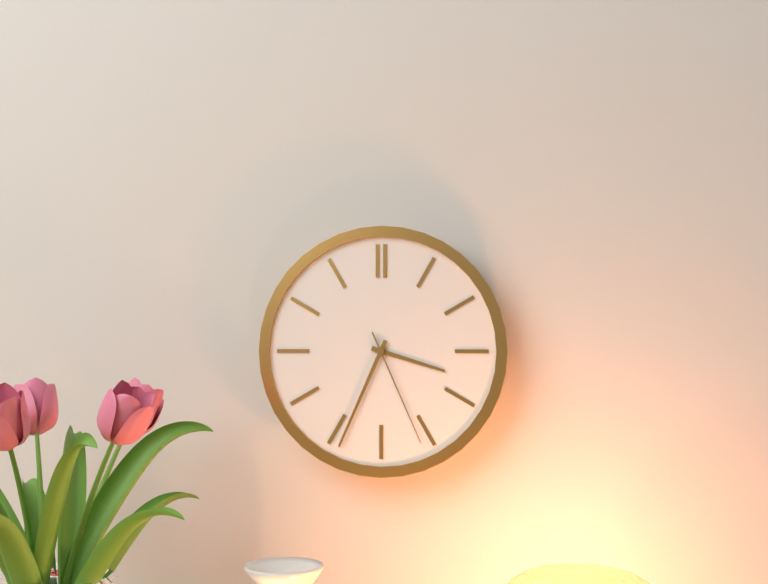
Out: {"hour": 3, "minute": 34, "second": 26}
